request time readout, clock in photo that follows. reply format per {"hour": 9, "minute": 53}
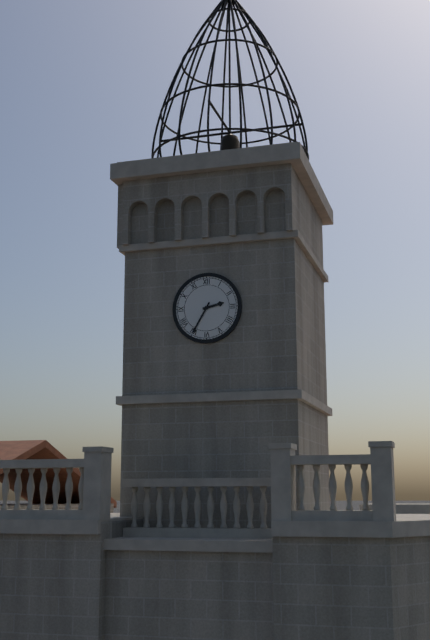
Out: {"hour": 2, "minute": 35}
